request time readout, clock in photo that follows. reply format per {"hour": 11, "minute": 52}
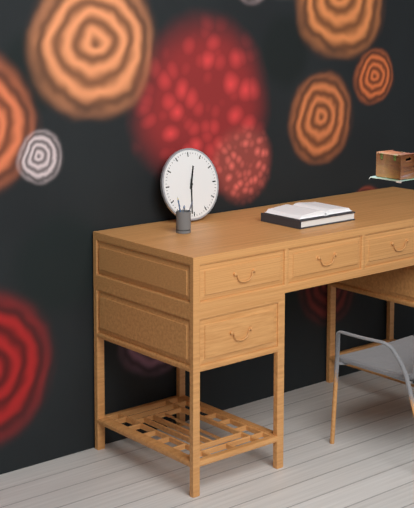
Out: {"hour": 12, "minute": 31}
